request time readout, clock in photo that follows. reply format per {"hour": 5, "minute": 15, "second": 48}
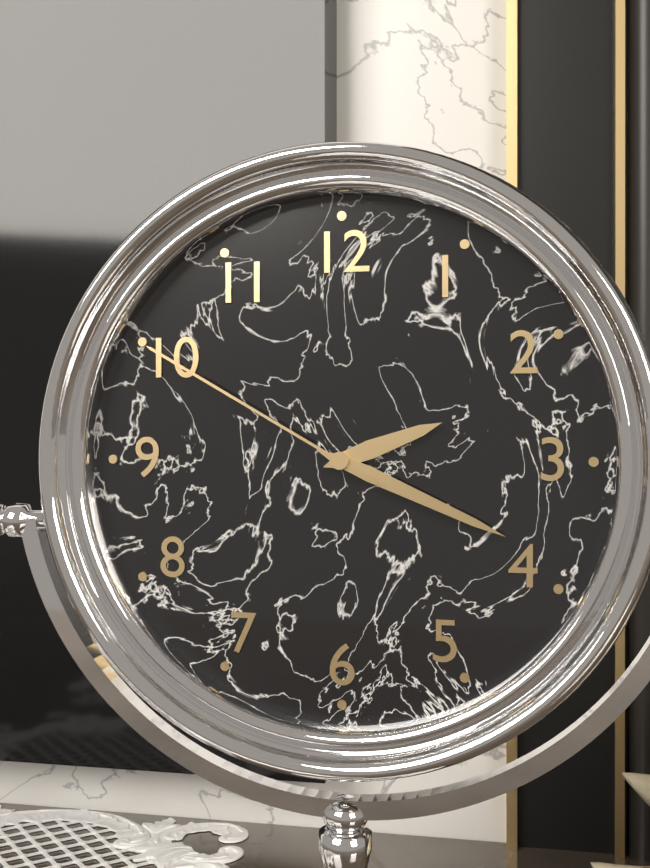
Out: {"hour": 2, "minute": 19, "second": 50}
